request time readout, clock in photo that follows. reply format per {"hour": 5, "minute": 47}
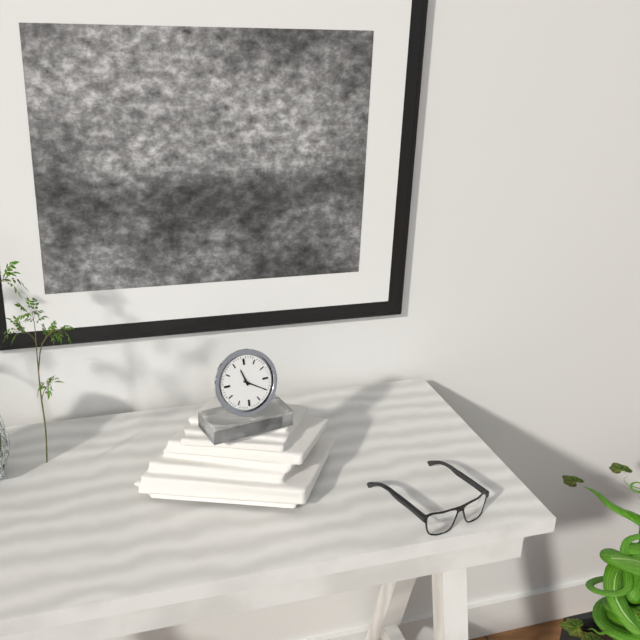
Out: {"hour": 11, "minute": 20}
